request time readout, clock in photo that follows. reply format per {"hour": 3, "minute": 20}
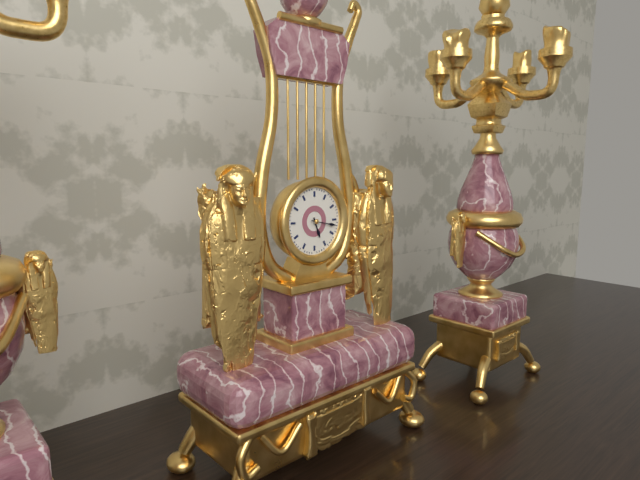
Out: {"hour": 5, "minute": 17}
